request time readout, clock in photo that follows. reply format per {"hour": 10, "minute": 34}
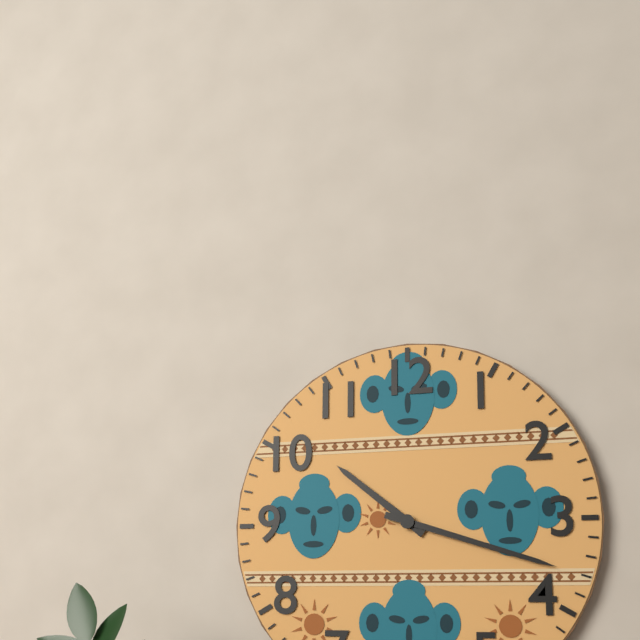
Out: {"hour": 10, "minute": 18}
